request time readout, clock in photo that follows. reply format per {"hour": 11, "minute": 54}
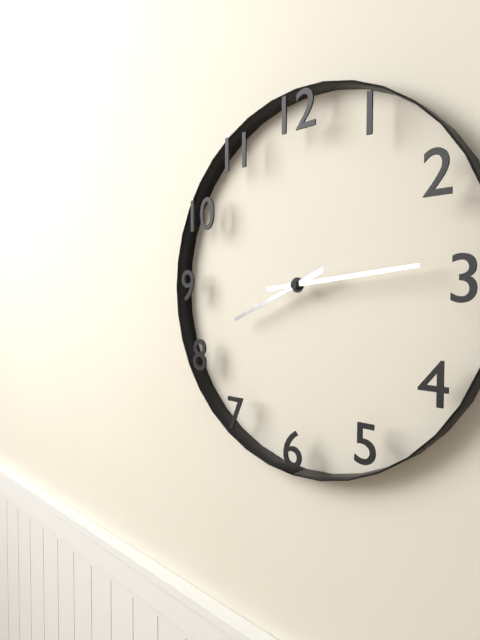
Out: {"hour": 8, "minute": 14}
